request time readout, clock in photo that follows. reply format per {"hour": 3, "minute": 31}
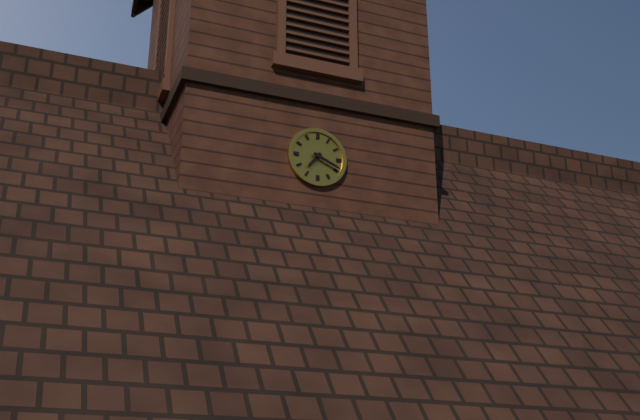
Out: {"hour": 7, "minute": 19}
